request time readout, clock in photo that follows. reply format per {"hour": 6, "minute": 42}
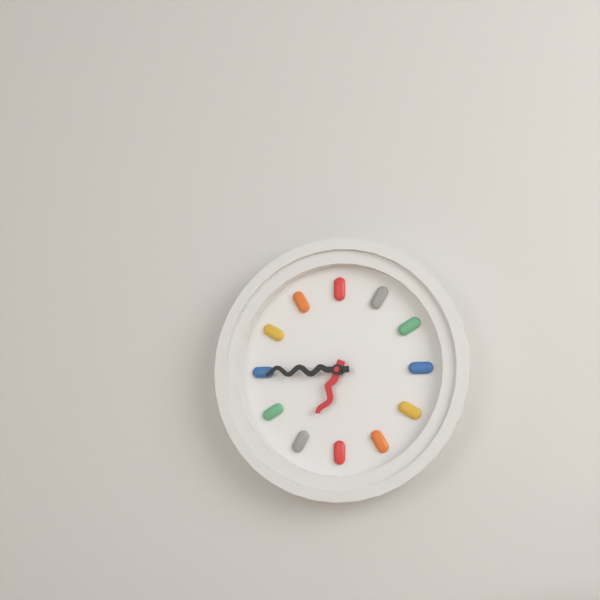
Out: {"hour": 6, "minute": 45}
